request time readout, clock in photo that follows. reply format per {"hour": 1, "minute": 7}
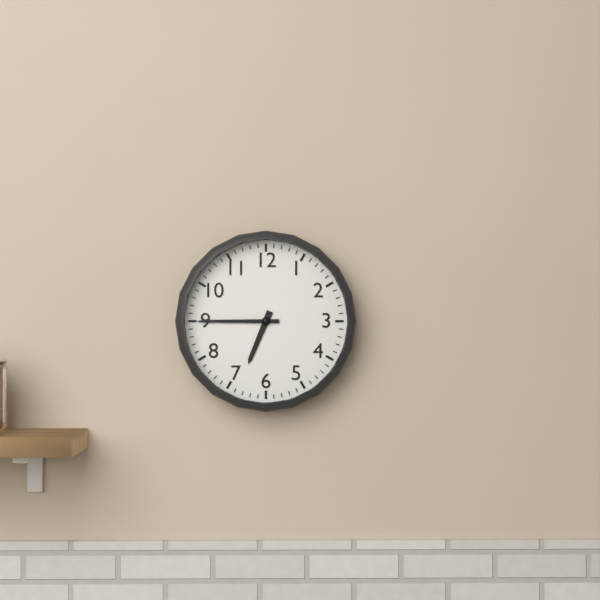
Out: {"hour": 6, "minute": 45}
